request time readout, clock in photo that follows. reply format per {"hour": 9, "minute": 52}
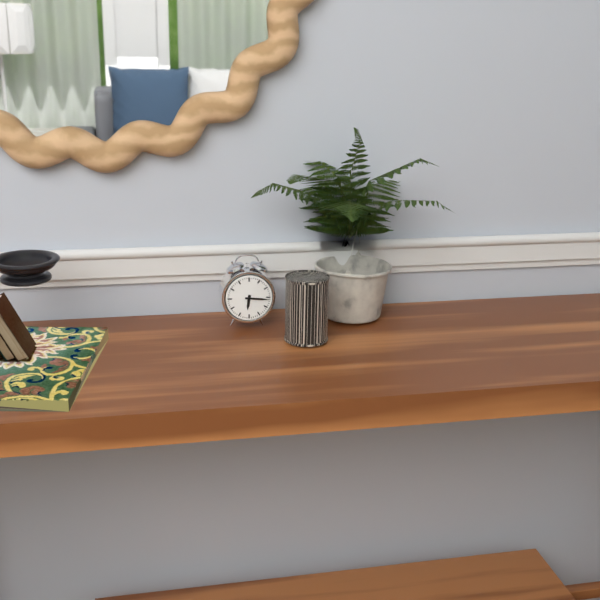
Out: {"hour": 6, "minute": 16}
